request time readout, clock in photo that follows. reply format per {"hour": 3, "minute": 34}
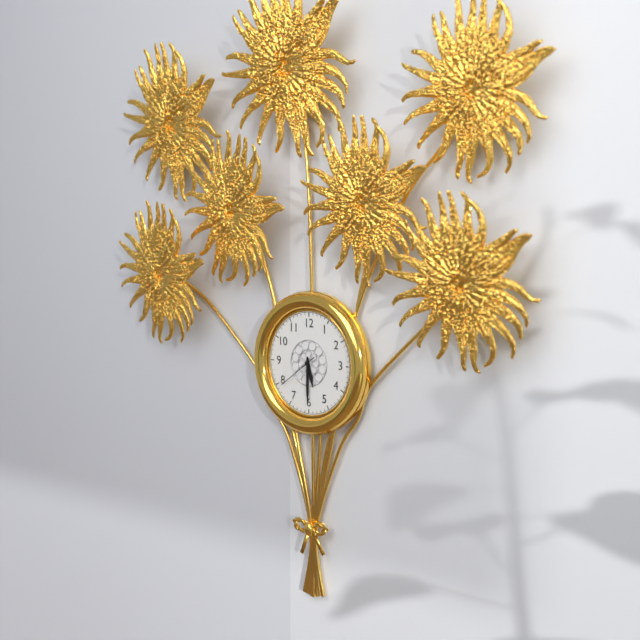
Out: {"hour": 5, "minute": 30}
